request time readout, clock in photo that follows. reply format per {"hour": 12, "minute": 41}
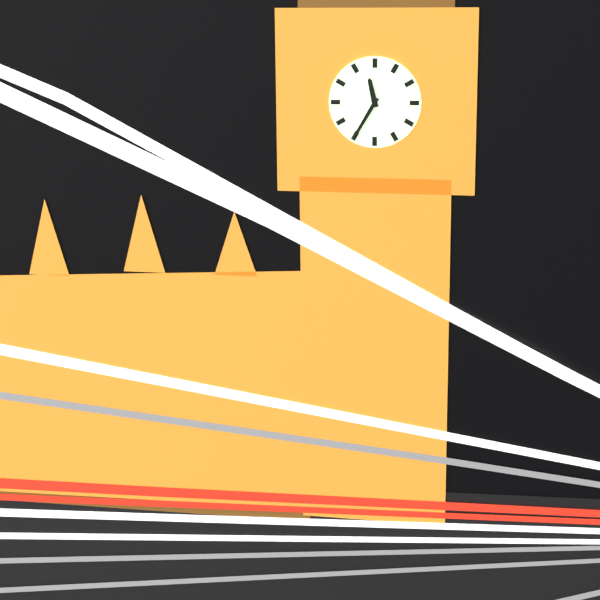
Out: {"hour": 11, "minute": 35}
